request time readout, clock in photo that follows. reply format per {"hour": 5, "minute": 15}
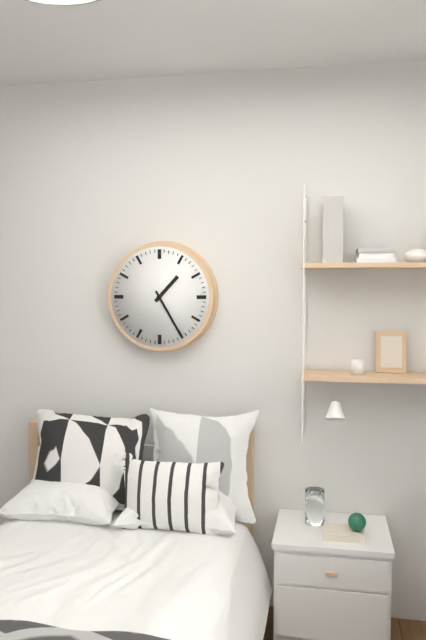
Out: {"hour": 1, "minute": 25}
